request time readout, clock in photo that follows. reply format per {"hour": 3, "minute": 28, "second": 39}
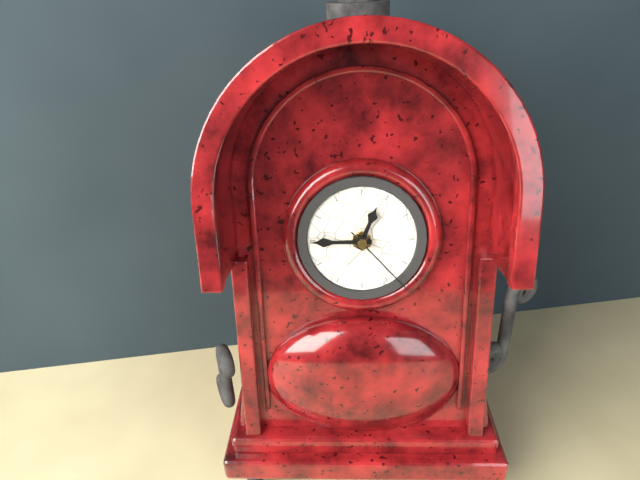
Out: {"hour": 12, "minute": 45, "second": 23}
